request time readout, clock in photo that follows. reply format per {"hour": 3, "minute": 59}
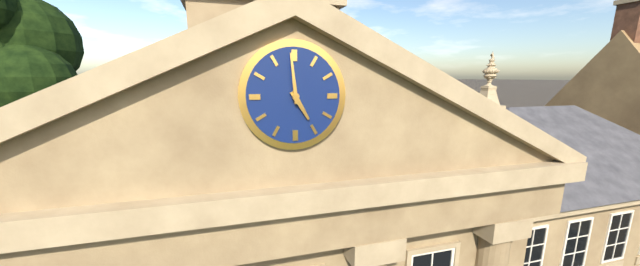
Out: {"hour": 4, "minute": 59}
